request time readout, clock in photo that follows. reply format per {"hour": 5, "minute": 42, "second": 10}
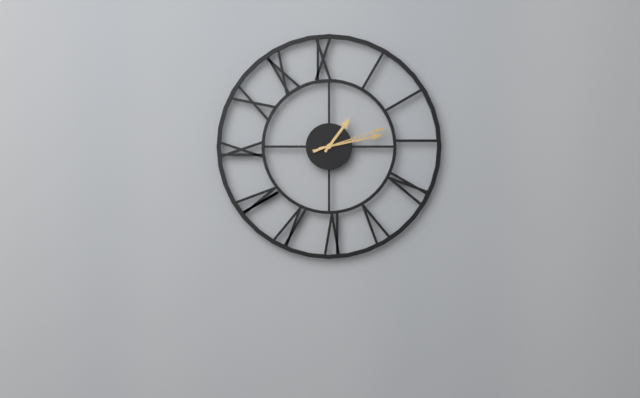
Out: {"hour": 1, "minute": 13, "second": 12}
